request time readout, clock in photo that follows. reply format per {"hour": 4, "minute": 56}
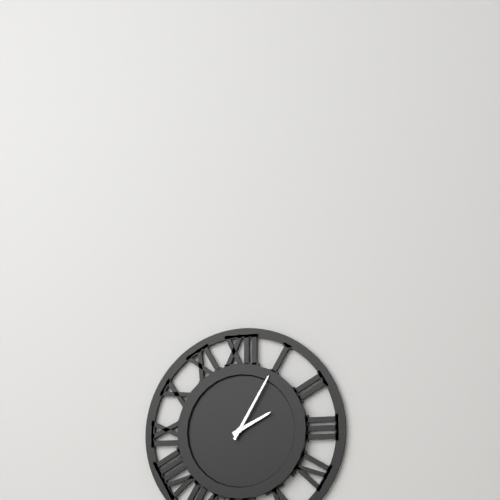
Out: {"hour": 2, "minute": 5}
